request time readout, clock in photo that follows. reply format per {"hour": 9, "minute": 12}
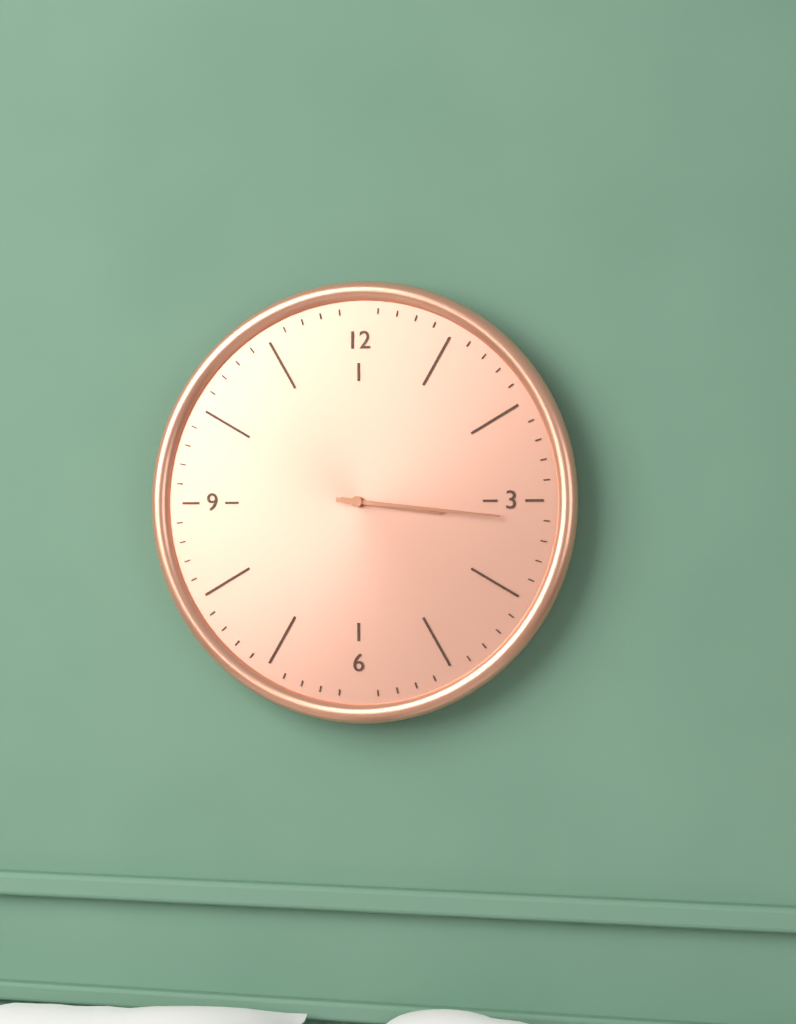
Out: {"hour": 3, "minute": 16}
